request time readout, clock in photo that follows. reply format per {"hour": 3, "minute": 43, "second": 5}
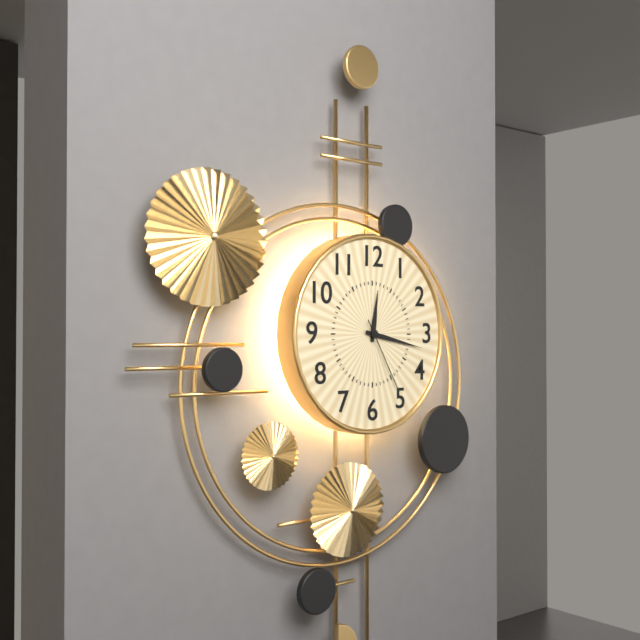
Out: {"hour": 12, "minute": 17, "second": 25}
